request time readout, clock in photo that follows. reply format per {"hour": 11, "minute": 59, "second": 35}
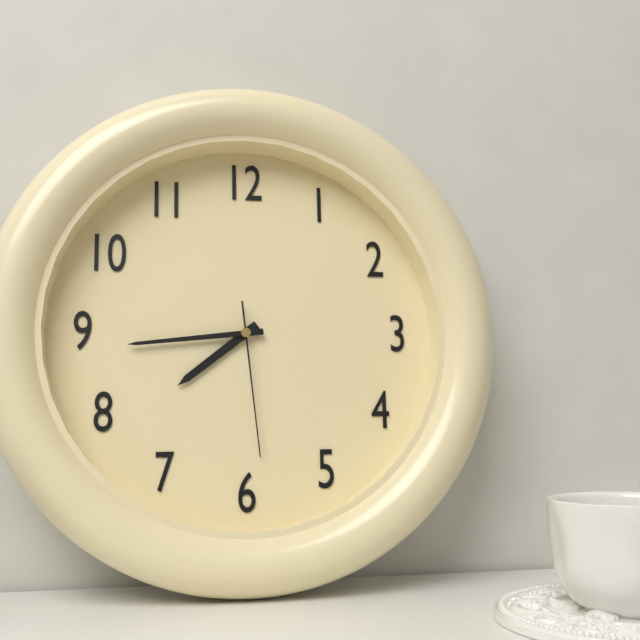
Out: {"hour": 7, "minute": 44, "second": 29}
